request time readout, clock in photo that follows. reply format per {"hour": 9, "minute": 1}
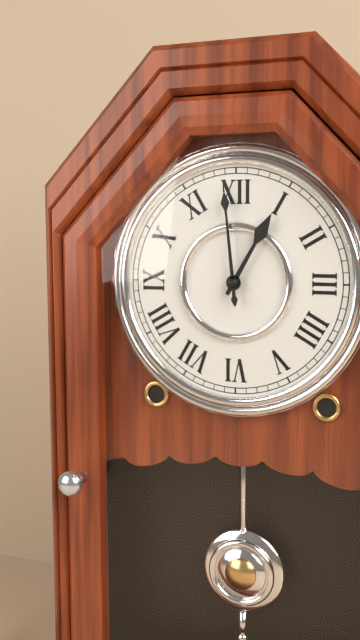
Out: {"hour": 12, "minute": 59}
